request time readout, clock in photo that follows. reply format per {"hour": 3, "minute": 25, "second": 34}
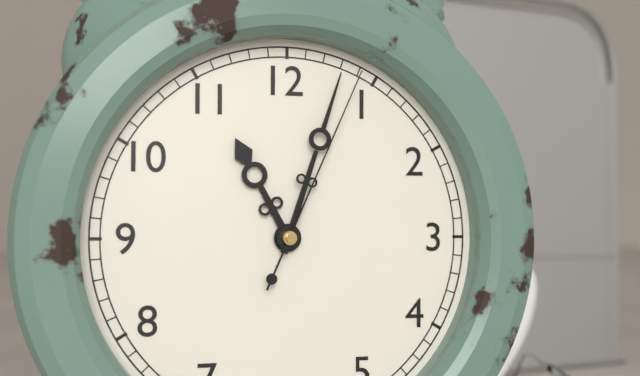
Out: {"hour": 11, "minute": 3, "second": 4}
